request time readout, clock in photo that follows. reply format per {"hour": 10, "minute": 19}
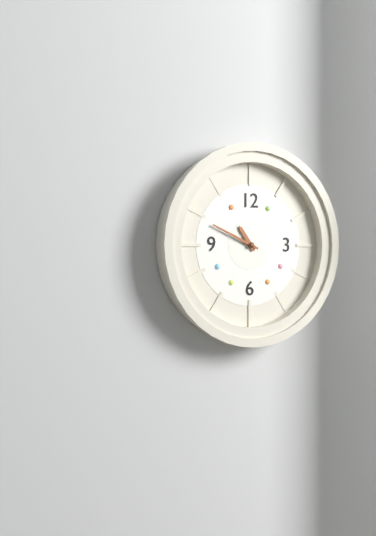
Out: {"hour": 10, "minute": 49}
